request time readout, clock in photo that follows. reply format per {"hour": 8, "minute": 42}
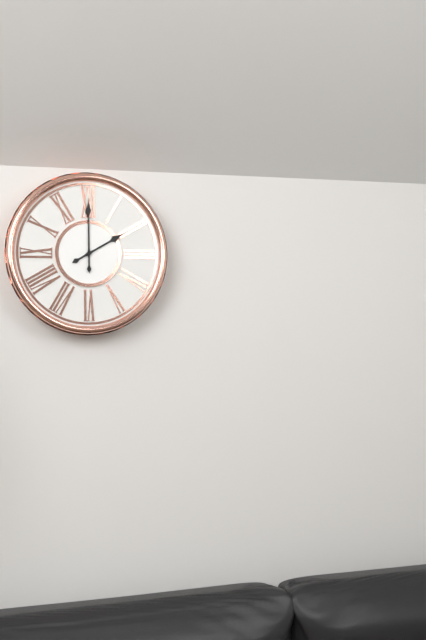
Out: {"hour": 2, "minute": 0}
